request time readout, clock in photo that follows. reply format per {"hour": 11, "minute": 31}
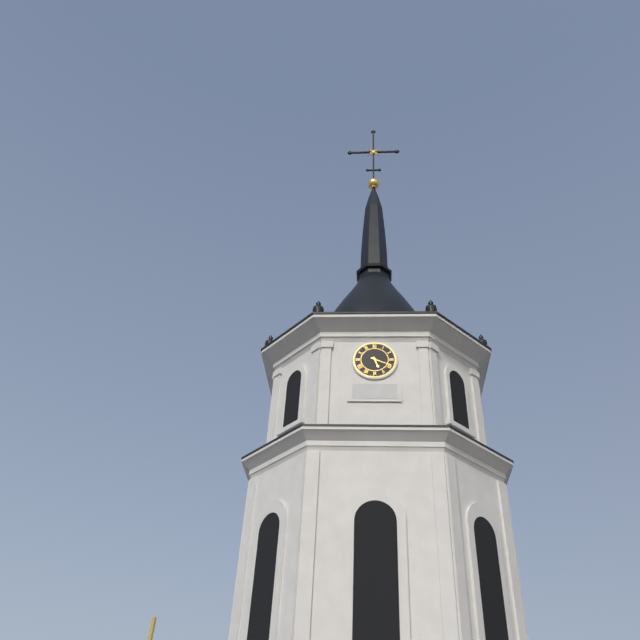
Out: {"hour": 5, "minute": 19}
